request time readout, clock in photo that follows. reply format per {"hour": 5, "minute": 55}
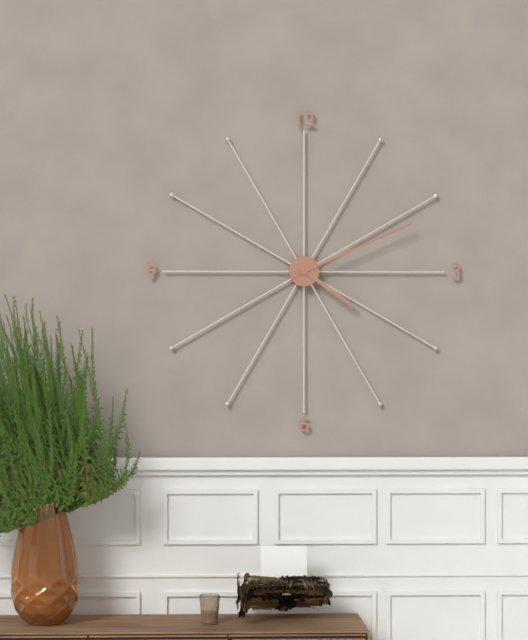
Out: {"hour": 4, "minute": 11}
